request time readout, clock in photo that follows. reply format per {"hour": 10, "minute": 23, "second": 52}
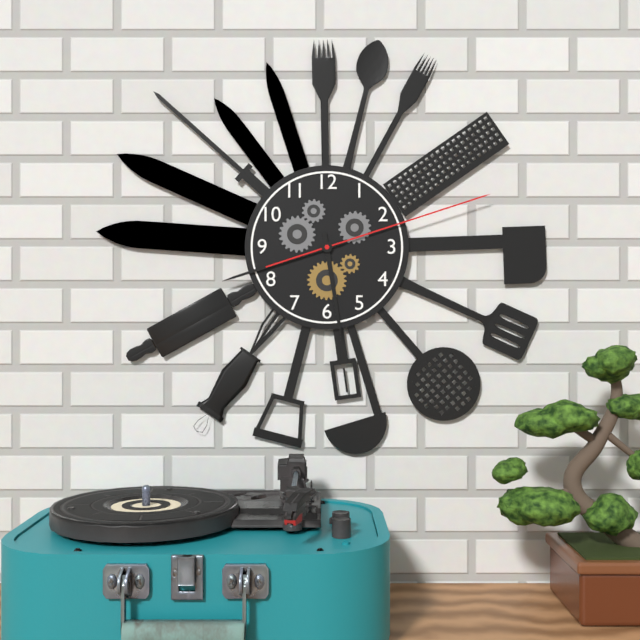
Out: {"hour": 5, "minute": 42, "second": 12}
